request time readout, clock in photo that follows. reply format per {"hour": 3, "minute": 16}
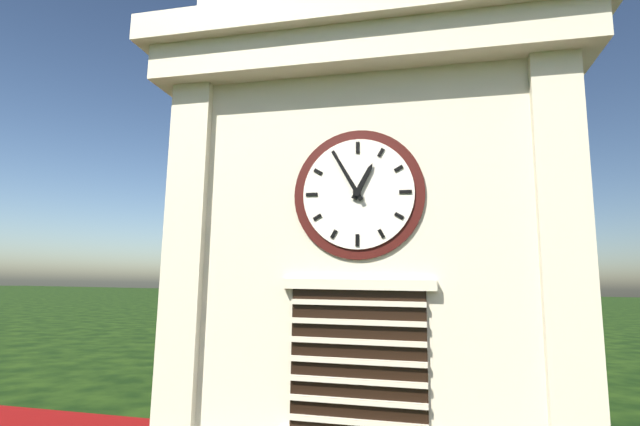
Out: {"hour": 12, "minute": 55}
